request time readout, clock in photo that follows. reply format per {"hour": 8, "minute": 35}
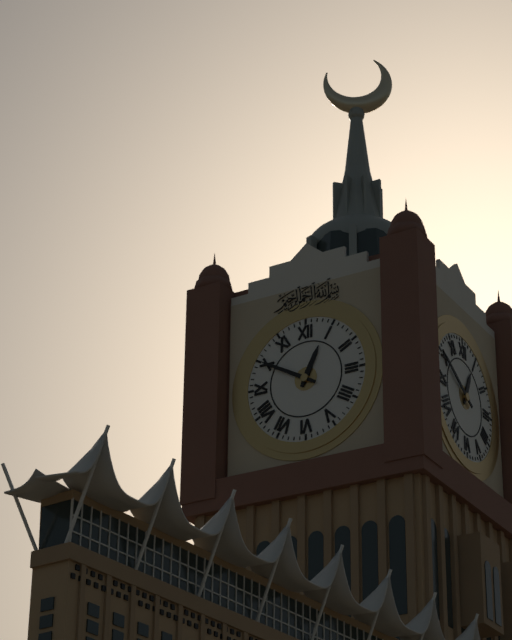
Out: {"hour": 12, "minute": 50}
